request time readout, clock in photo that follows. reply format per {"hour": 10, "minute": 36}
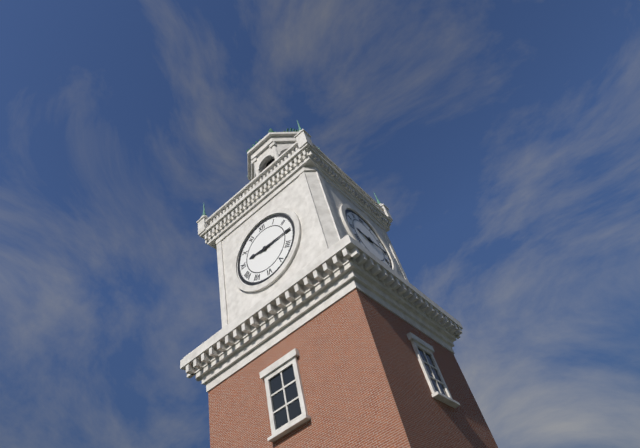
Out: {"hour": 9, "minute": 15}
